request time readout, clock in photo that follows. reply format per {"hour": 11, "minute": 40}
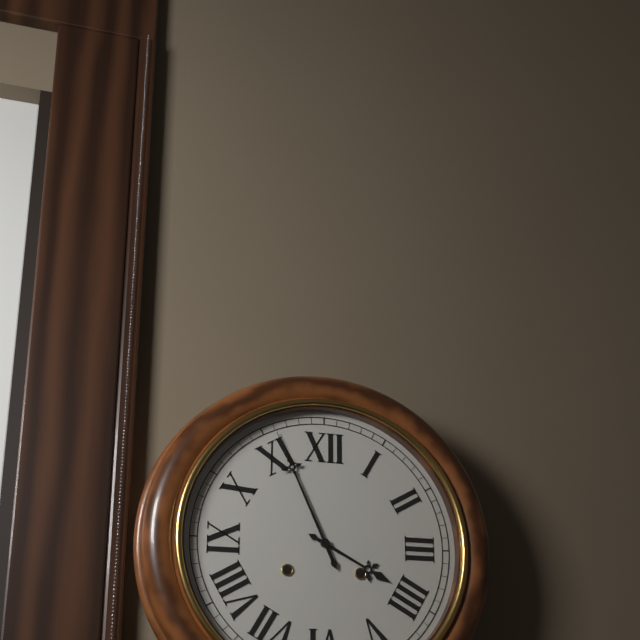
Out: {"hour": 3, "minute": 56}
